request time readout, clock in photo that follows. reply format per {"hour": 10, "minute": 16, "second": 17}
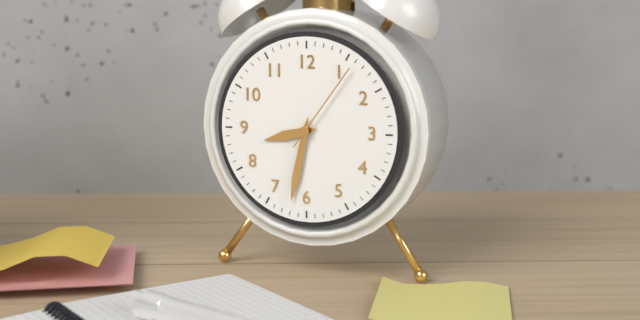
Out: {"hour": 8, "minute": 32, "second": 6}
